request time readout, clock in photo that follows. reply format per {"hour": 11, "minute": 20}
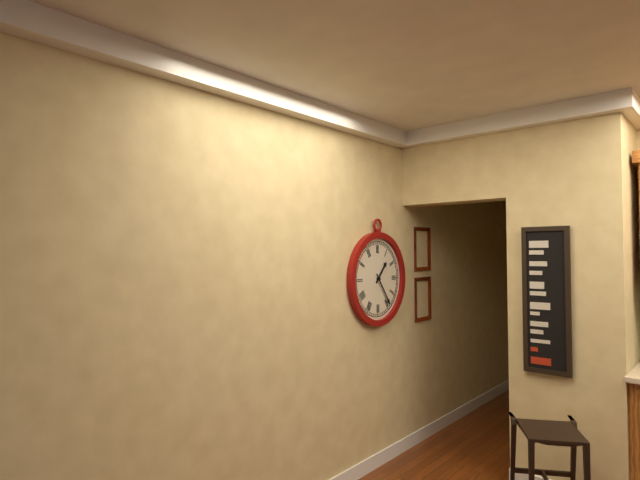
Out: {"hour": 1, "minute": 24}
